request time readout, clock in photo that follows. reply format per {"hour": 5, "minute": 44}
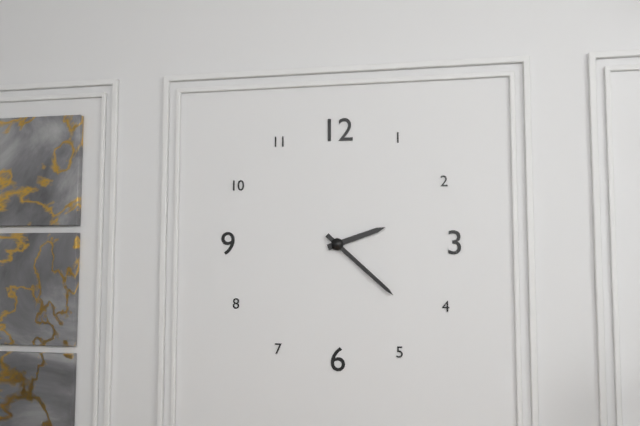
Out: {"hour": 2, "minute": 22}
